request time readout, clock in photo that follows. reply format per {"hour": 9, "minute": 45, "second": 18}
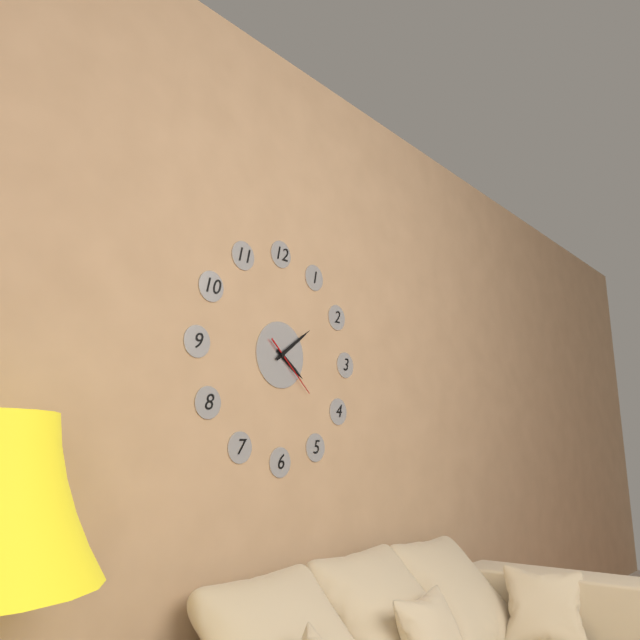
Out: {"hour": 4, "minute": 9, "second": 22}
